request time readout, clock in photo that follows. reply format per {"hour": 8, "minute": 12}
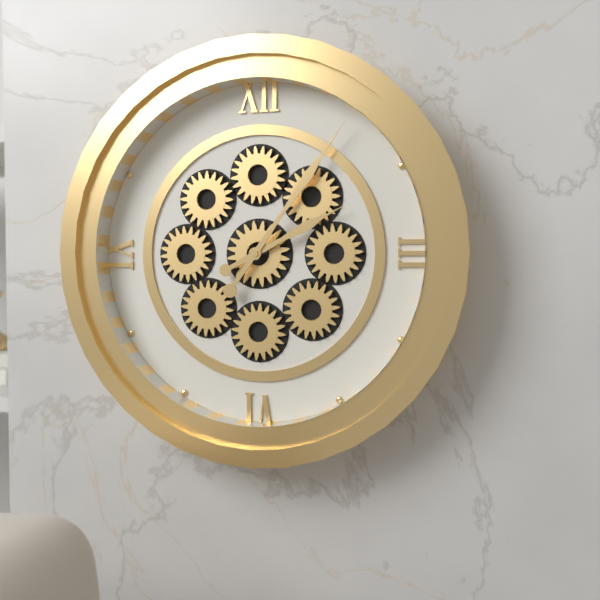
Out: {"hour": 2, "minute": 6}
